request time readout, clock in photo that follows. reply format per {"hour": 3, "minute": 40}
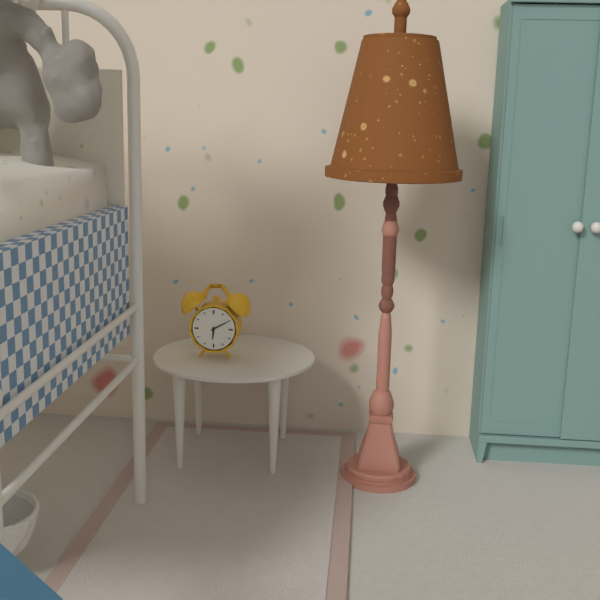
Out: {"hour": 6, "minute": 10}
